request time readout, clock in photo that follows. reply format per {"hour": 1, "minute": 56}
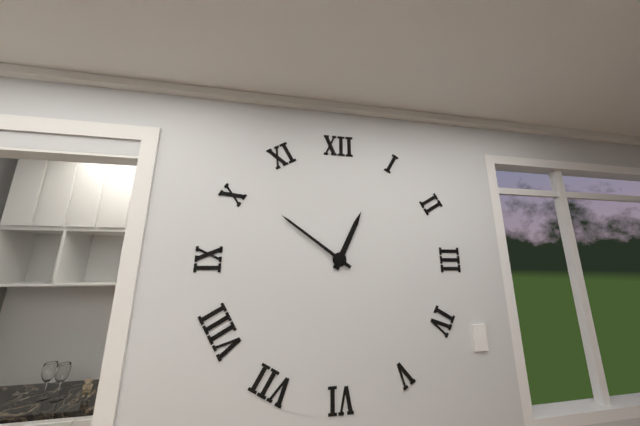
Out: {"hour": 12, "minute": 51}
